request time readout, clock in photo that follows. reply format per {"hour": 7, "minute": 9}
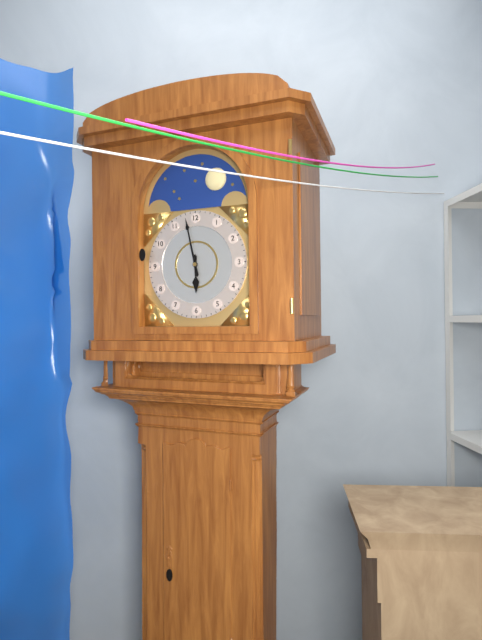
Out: {"hour": 5, "minute": 58}
